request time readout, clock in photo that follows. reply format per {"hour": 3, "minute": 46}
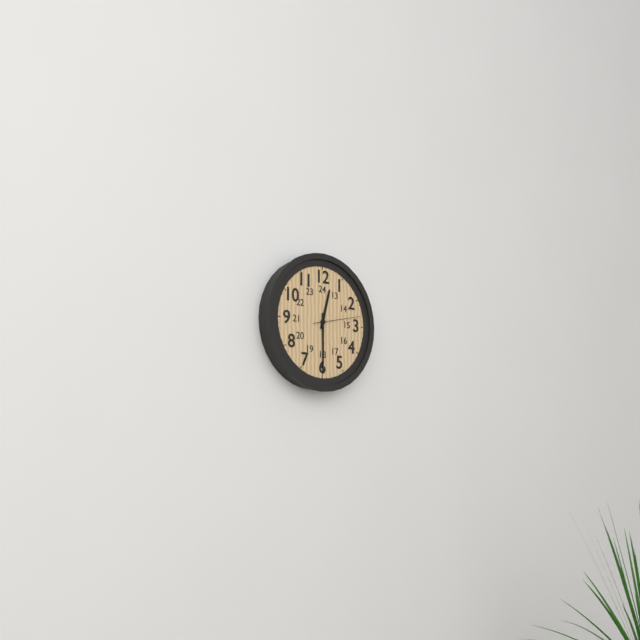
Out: {"hour": 12, "minute": 30}
